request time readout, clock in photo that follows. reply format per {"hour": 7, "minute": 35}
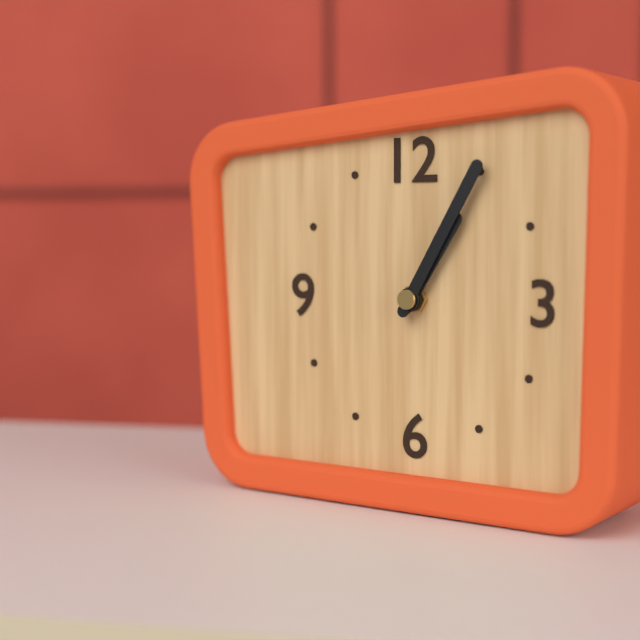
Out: {"hour": 1, "minute": 5}
